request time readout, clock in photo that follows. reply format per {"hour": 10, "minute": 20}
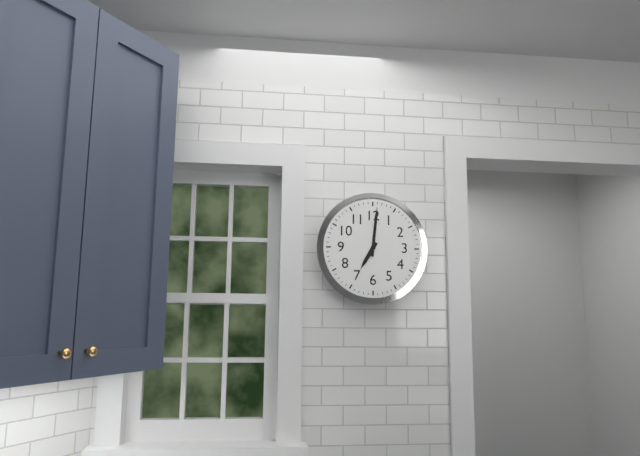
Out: {"hour": 7, "minute": 1}
